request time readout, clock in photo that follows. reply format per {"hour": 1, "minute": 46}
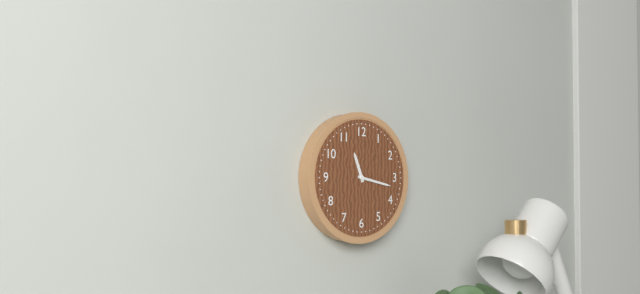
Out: {"hour": 11, "minute": 17}
